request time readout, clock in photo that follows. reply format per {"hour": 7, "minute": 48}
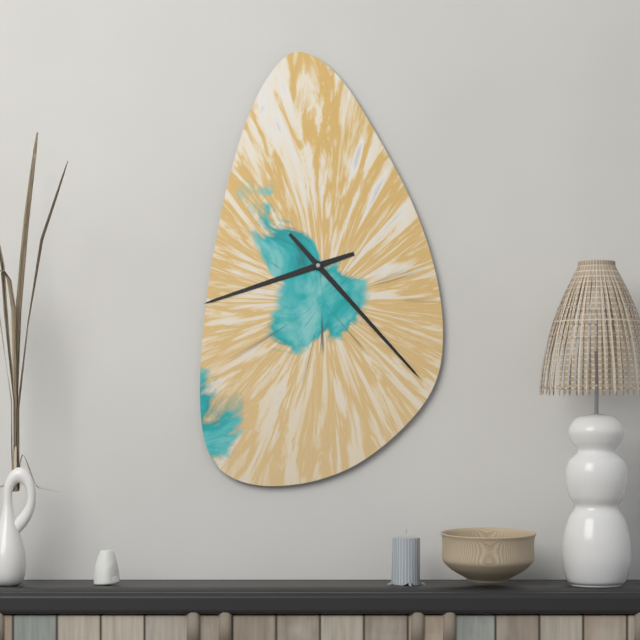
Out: {"hour": 8, "minute": 23}
